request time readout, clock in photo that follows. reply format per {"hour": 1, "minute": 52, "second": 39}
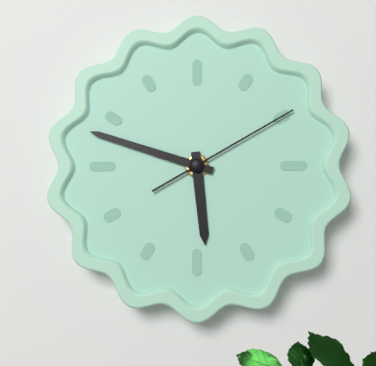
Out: {"hour": 5, "minute": 48, "second": 10}
